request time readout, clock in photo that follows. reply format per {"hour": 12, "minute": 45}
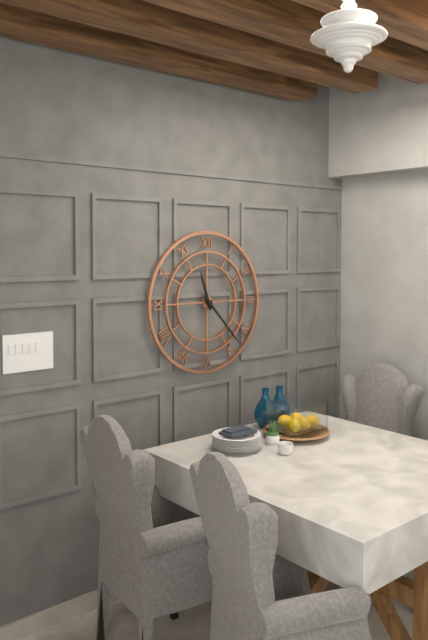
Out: {"hour": 11, "minute": 23}
